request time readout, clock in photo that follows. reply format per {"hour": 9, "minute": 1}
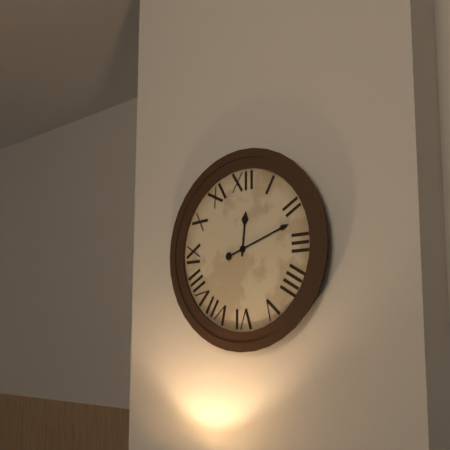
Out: {"hour": 12, "minute": 12}
